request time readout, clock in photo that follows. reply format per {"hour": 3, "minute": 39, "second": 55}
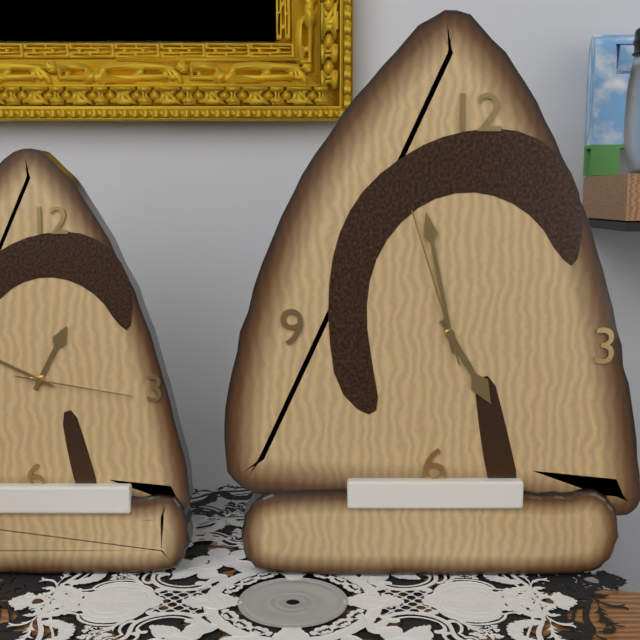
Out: {"hour": 4, "minute": 58, "second": 57}
